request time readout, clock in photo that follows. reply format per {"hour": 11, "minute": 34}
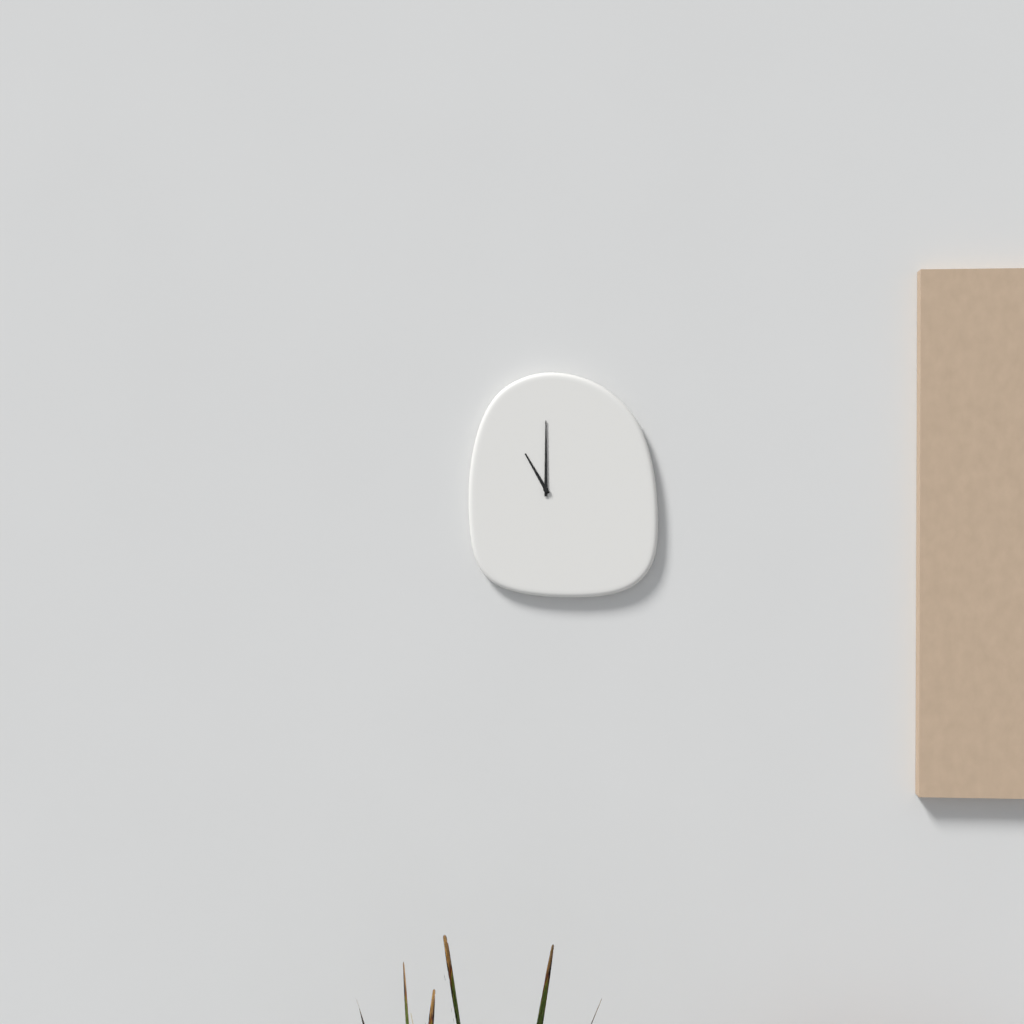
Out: {"hour": 11, "minute": 0}
